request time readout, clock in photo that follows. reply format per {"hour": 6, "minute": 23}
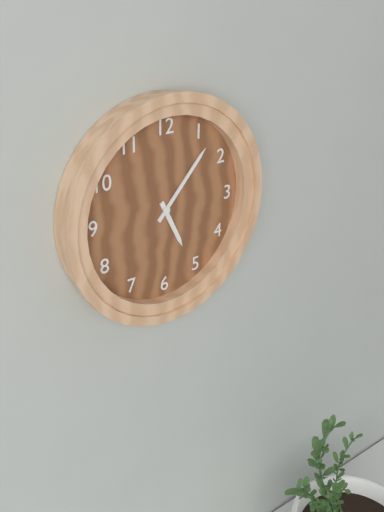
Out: {"hour": 5, "minute": 7}
